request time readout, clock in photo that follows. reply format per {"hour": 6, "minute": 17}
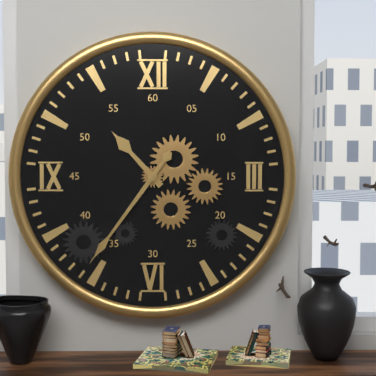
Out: {"hour": 10, "minute": 36}
